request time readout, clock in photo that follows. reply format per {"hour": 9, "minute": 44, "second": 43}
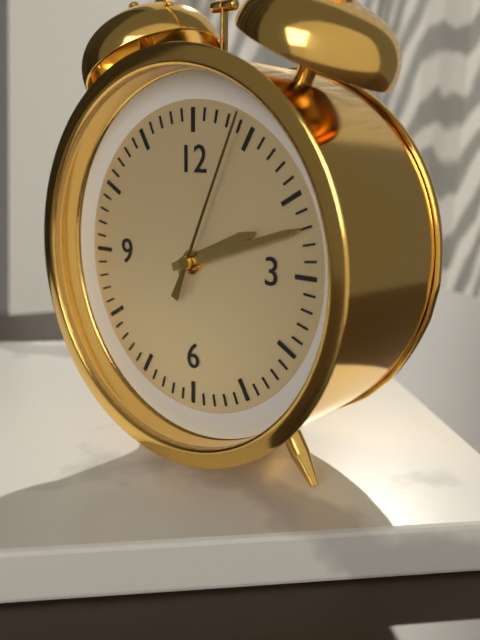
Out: {"hour": 2, "minute": 12, "second": 4}
